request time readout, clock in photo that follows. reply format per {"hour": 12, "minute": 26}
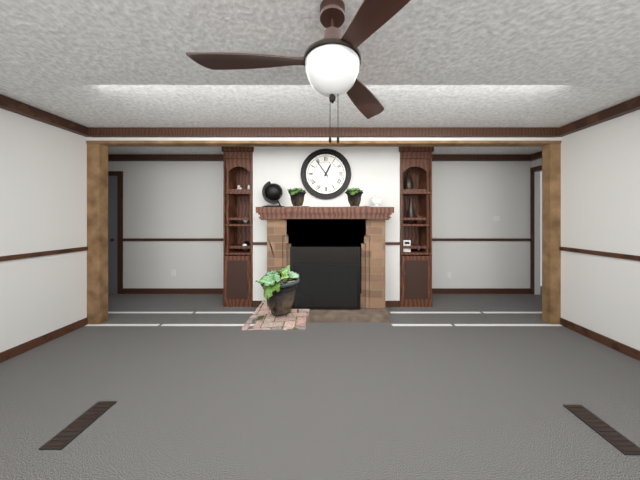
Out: {"hour": 12, "minute": 54}
